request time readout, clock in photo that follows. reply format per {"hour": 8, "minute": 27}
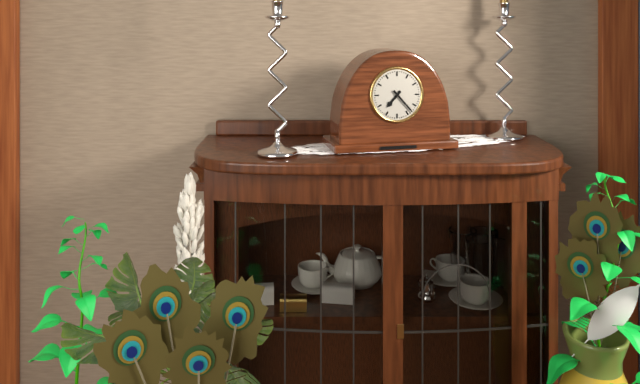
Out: {"hour": 7, "minute": 23}
